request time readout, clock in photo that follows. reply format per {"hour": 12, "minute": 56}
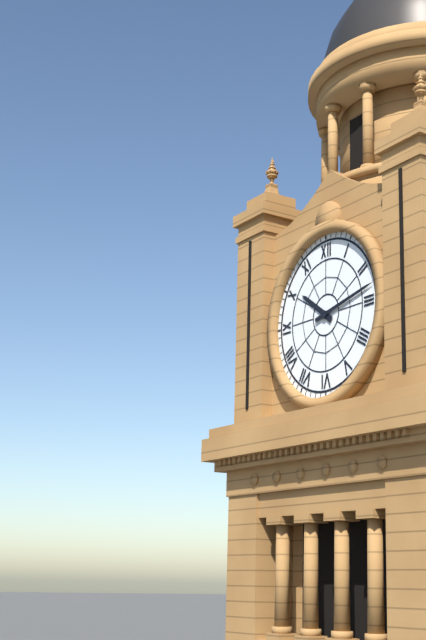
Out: {"hour": 10, "minute": 13}
